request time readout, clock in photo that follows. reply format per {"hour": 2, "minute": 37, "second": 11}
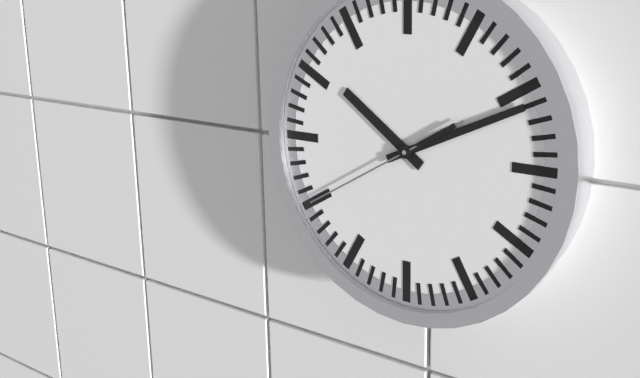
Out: {"hour": 10, "minute": 11, "second": 40}
